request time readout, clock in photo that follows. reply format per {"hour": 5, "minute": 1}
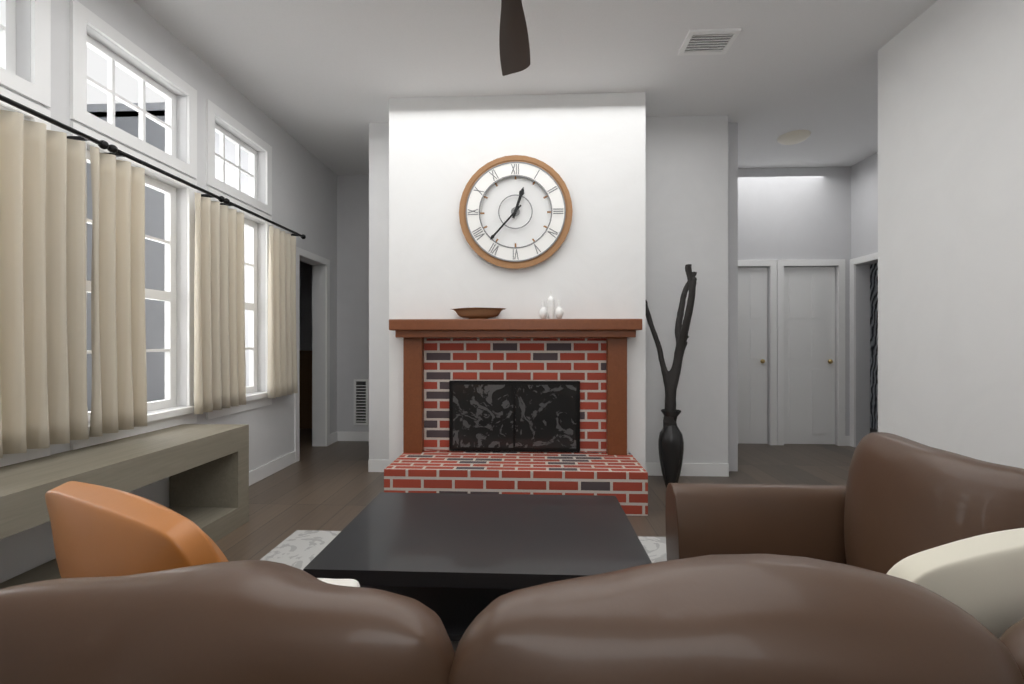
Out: {"hour": 12, "minute": 37}
